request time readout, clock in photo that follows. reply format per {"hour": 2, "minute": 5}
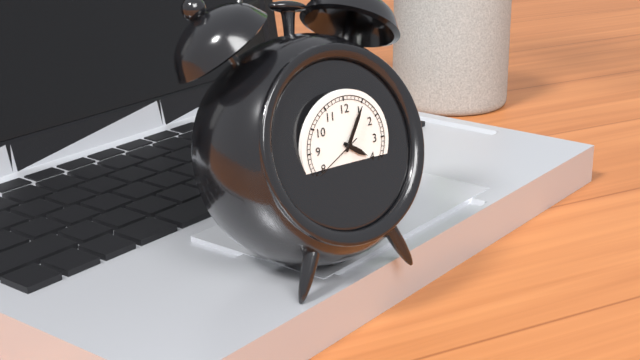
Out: {"hour": 4, "minute": 5}
